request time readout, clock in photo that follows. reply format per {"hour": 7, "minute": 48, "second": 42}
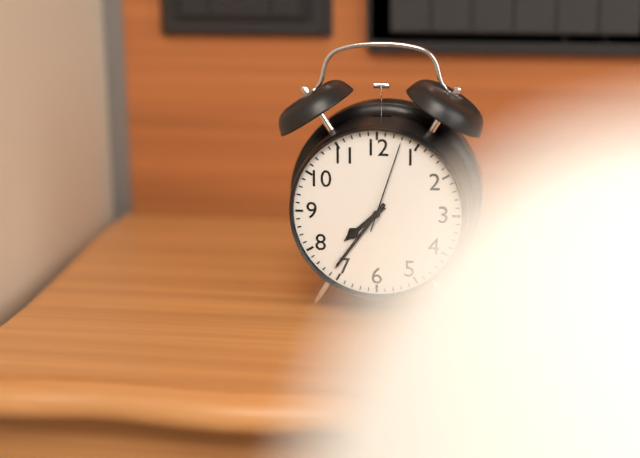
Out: {"hour": 7, "minute": 36, "second": 3}
